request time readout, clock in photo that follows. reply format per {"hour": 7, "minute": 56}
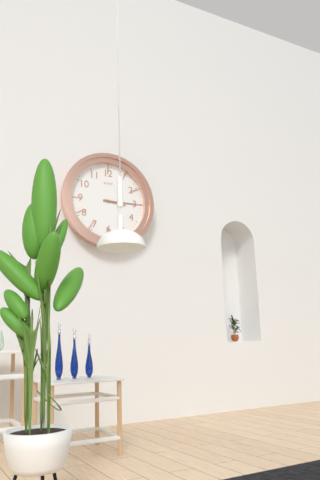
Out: {"hour": 3, "minute": 15}
